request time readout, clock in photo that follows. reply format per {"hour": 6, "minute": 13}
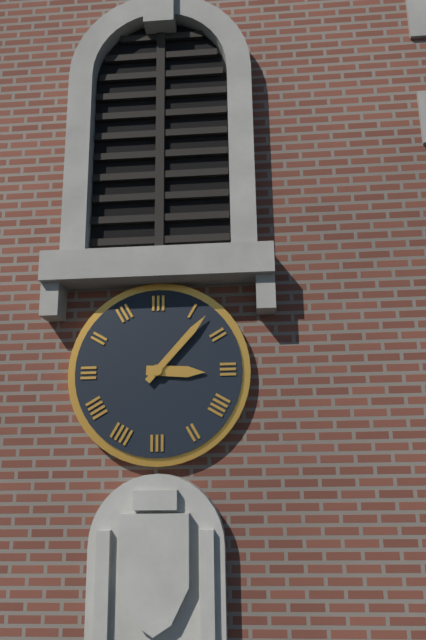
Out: {"hour": 3, "minute": 7}
